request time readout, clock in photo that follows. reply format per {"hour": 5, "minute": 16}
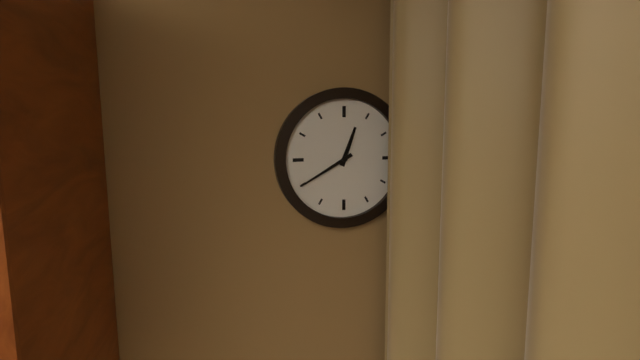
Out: {"hour": 12, "minute": 40}
